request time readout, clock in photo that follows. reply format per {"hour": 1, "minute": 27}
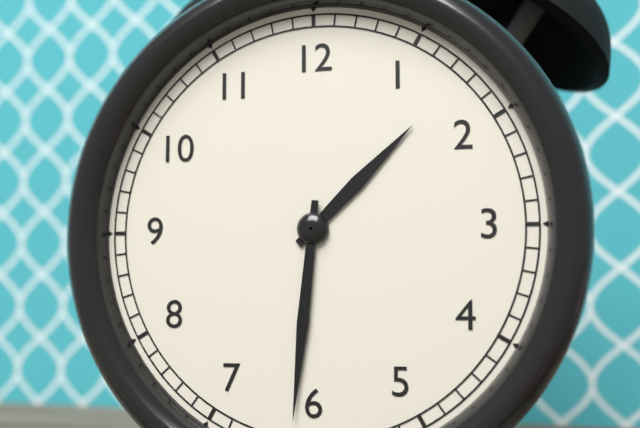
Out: {"hour": 1, "minute": 31}
